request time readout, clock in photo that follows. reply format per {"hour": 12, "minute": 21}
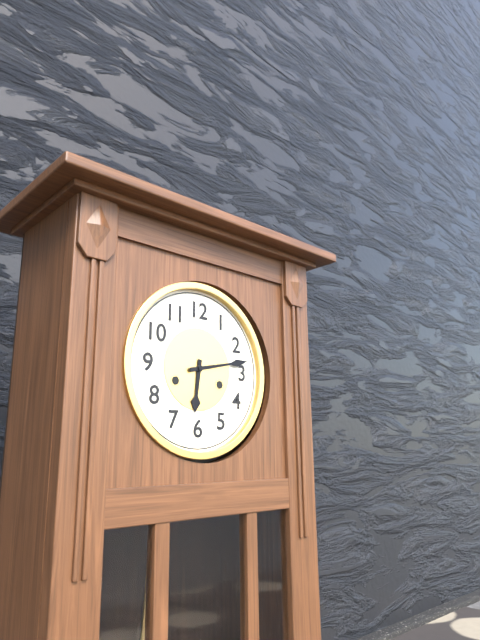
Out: {"hour": 6, "minute": 13}
